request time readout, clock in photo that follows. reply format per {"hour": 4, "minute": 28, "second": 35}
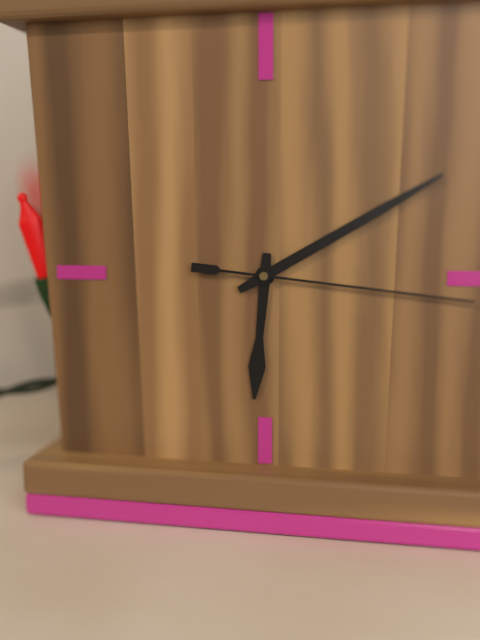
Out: {"hour": 6, "minute": 10, "second": 16}
